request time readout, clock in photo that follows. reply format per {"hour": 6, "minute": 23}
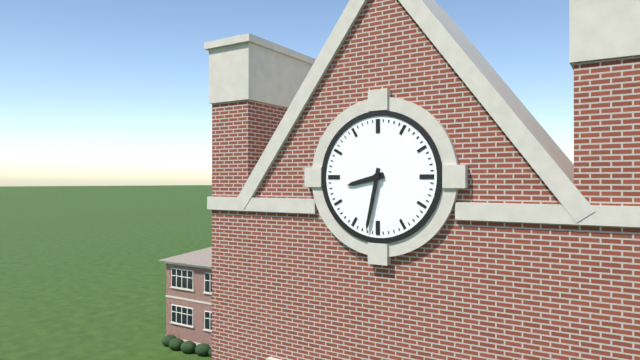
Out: {"hour": 8, "minute": 32}
